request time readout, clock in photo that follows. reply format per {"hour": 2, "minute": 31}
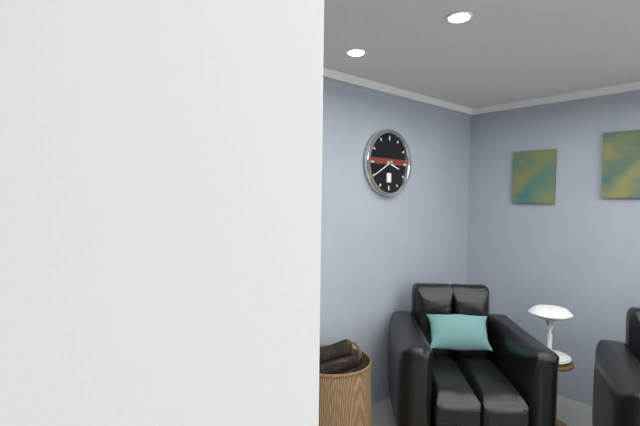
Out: {"hour": 3, "minute": 40}
